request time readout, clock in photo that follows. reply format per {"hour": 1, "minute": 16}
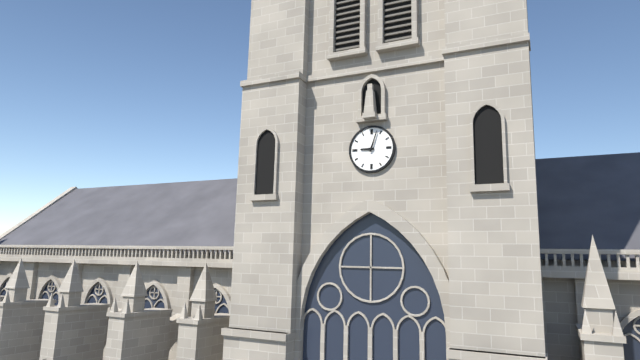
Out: {"hour": 9, "minute": 3}
